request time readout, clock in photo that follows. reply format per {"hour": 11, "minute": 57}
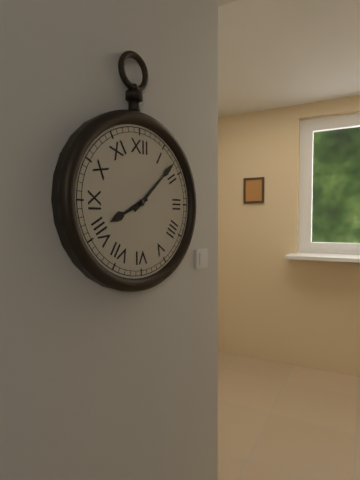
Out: {"hour": 8, "minute": 8}
